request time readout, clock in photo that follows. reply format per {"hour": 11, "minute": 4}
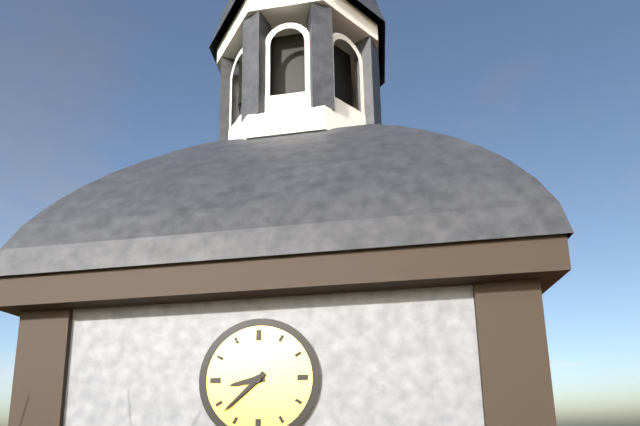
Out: {"hour": 8, "minute": 38}
